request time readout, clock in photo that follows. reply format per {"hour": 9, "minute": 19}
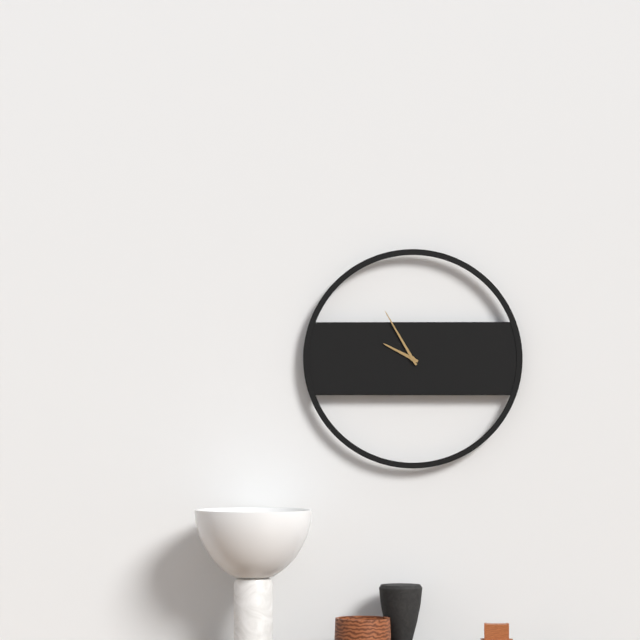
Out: {"hour": 9, "minute": 55}
